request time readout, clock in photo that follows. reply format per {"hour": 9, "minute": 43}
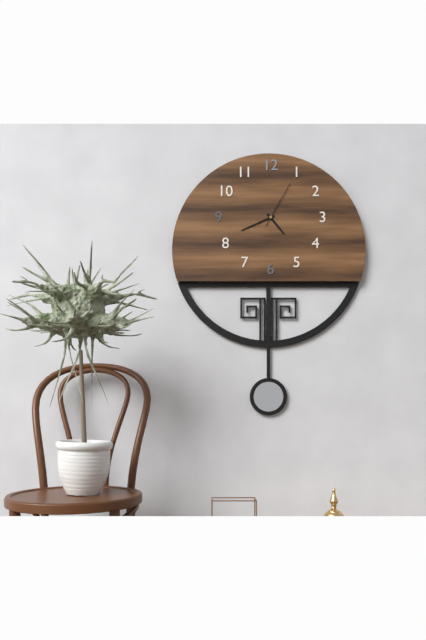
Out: {"hour": 4, "minute": 41}
